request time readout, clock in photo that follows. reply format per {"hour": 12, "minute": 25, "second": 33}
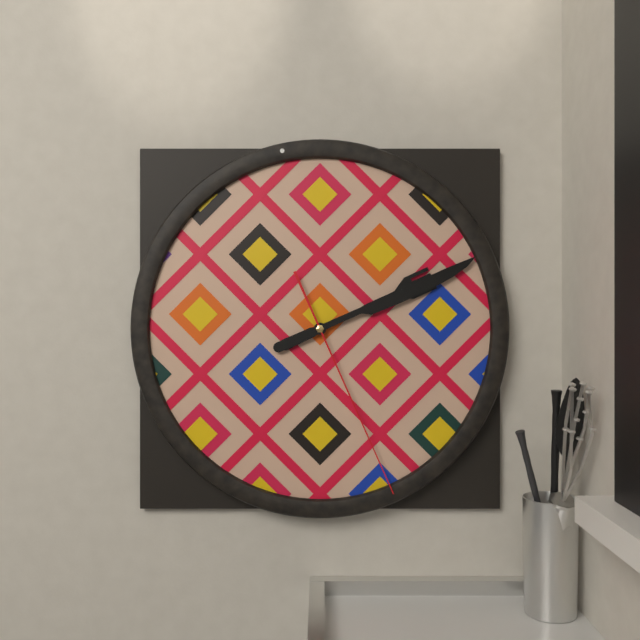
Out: {"hour": 2, "minute": 11, "second": 26}
